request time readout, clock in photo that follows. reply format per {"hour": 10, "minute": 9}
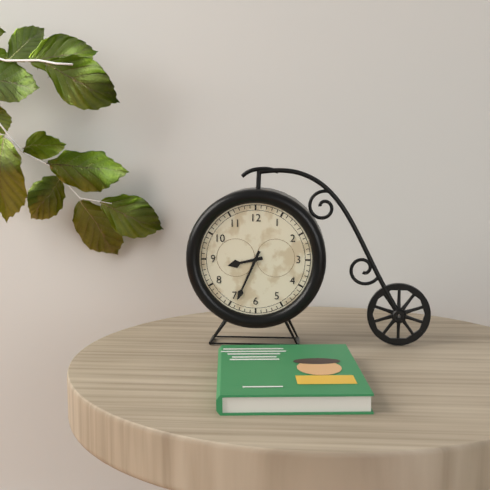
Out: {"hour": 8, "minute": 34}
